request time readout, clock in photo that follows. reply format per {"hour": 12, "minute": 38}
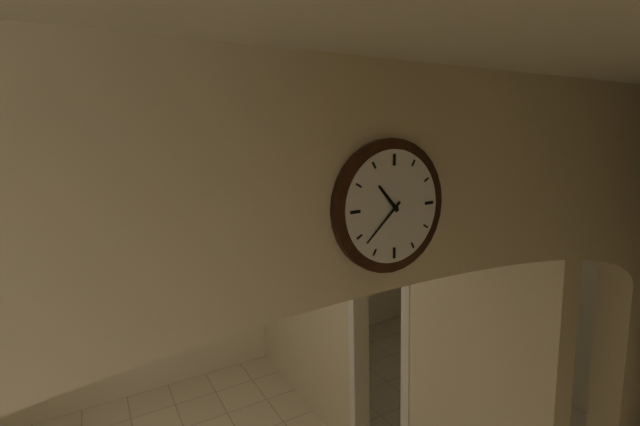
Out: {"hour": 10, "minute": 38}
